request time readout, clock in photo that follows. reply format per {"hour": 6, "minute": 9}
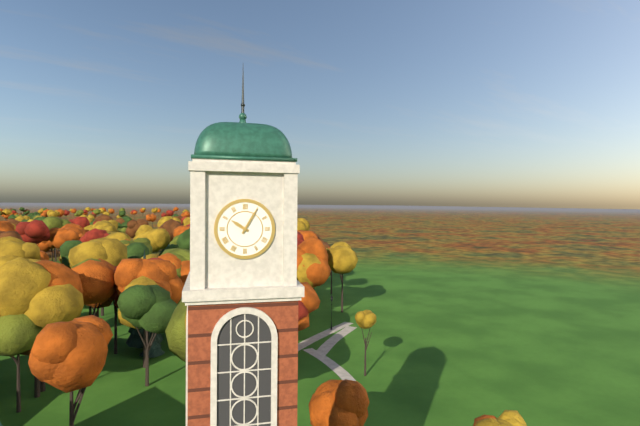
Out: {"hour": 10, "minute": 5}
